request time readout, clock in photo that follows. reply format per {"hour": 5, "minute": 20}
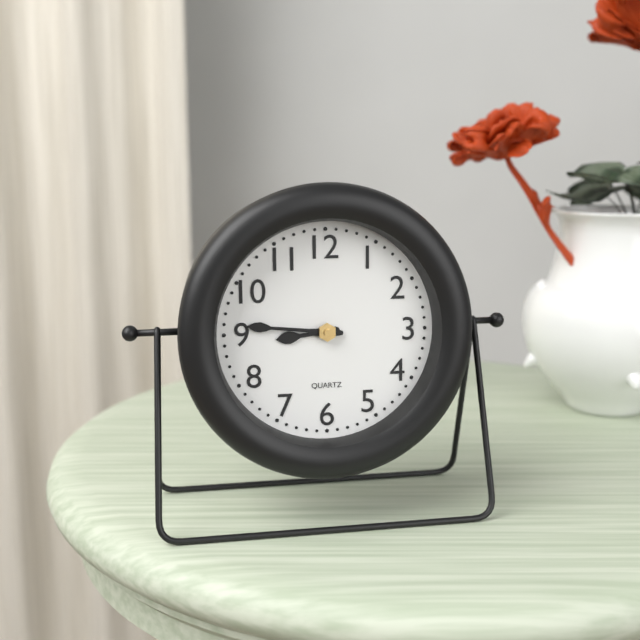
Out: {"hour": 8, "minute": 46}
